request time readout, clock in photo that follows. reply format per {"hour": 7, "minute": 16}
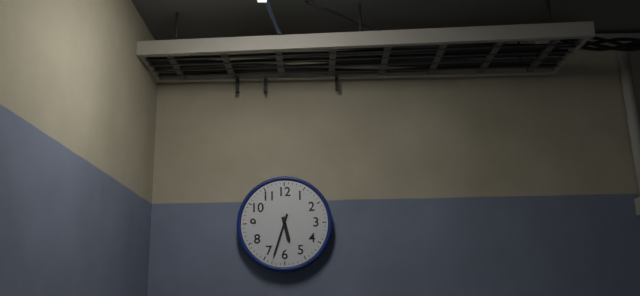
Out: {"hour": 5, "minute": 33}
